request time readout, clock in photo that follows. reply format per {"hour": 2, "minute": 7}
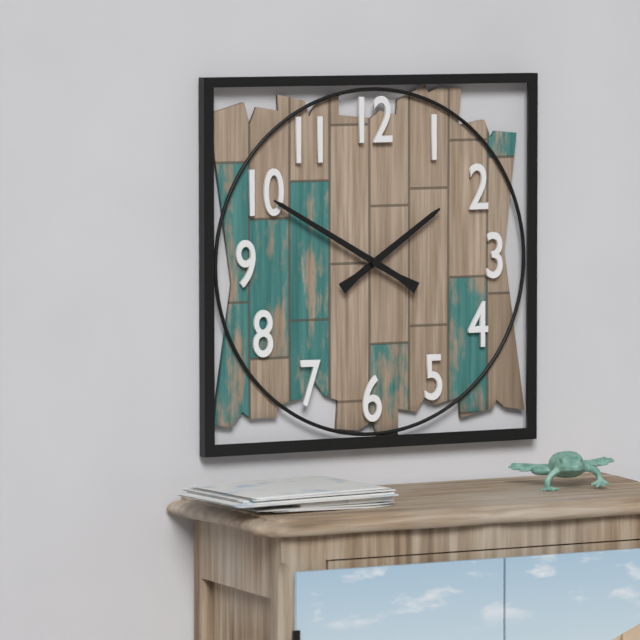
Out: {"hour": 1, "minute": 50}
